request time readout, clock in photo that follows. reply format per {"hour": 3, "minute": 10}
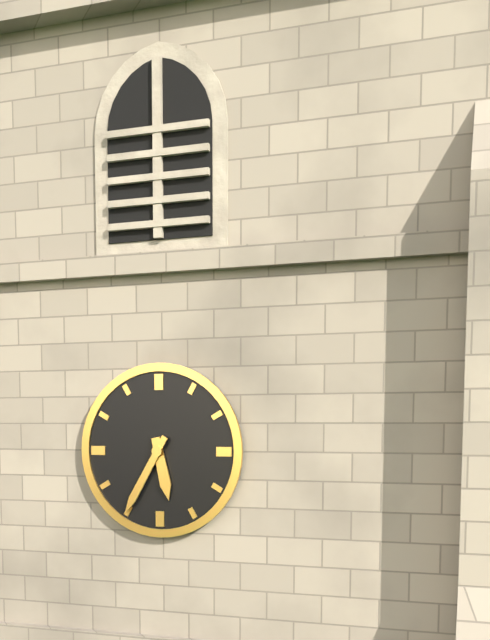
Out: {"hour": 5, "minute": 35}
